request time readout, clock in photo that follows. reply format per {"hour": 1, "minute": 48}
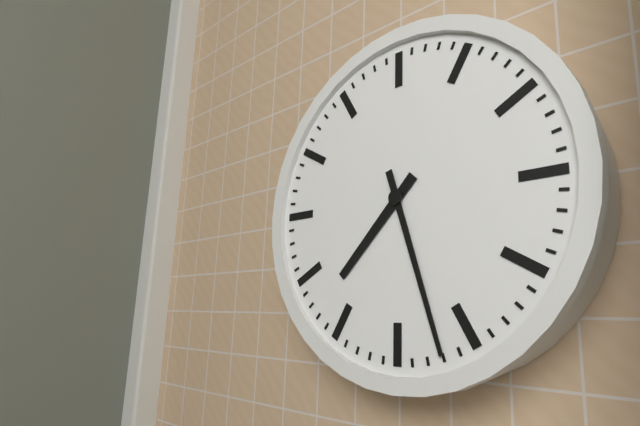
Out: {"hour": 7, "minute": 27}
